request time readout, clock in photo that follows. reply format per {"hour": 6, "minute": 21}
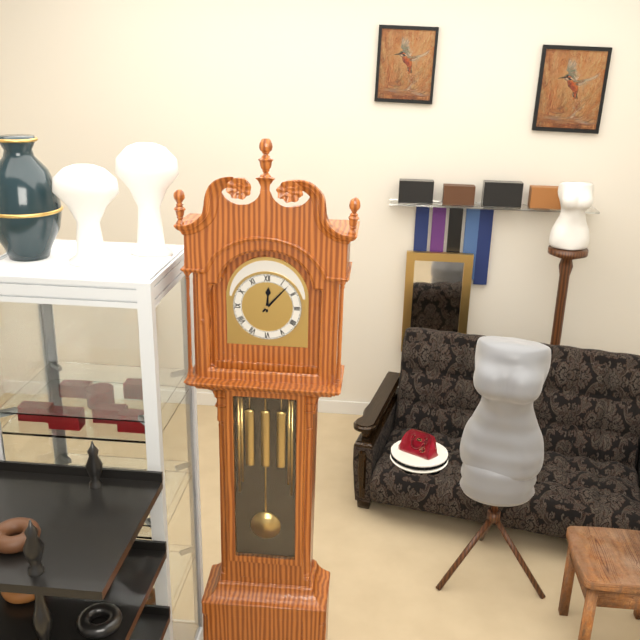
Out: {"hour": 12, "minute": 7}
